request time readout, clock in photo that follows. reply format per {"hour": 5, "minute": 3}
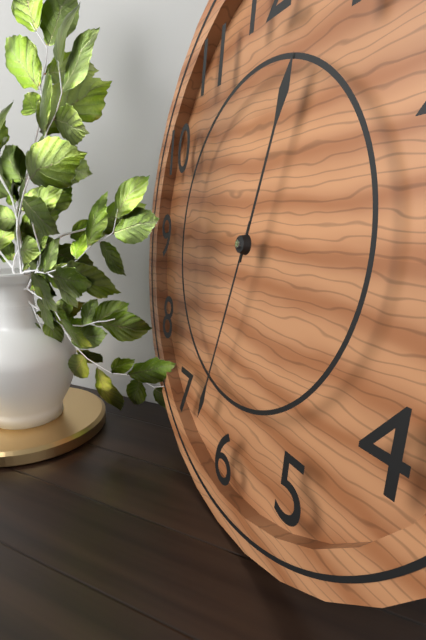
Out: {"hour": 12, "minute": 33}
